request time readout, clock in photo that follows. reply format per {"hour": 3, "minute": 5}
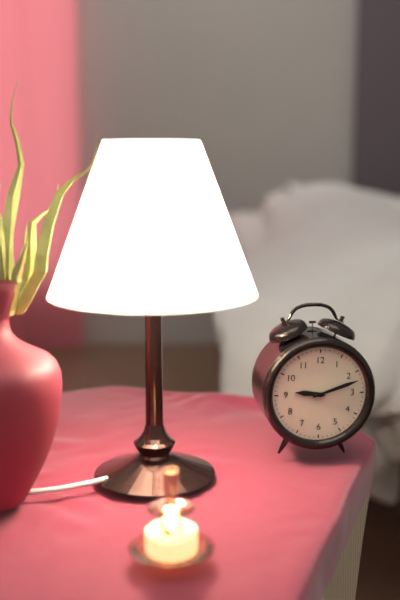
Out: {"hour": 9, "minute": 12}
